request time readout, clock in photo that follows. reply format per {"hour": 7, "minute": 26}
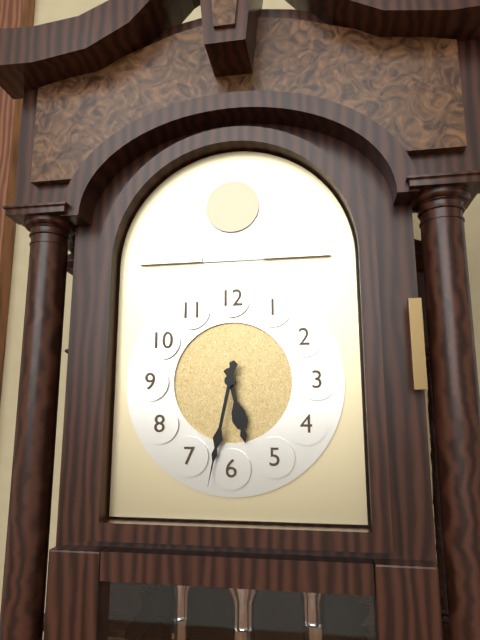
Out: {"hour": 5, "minute": 32}
